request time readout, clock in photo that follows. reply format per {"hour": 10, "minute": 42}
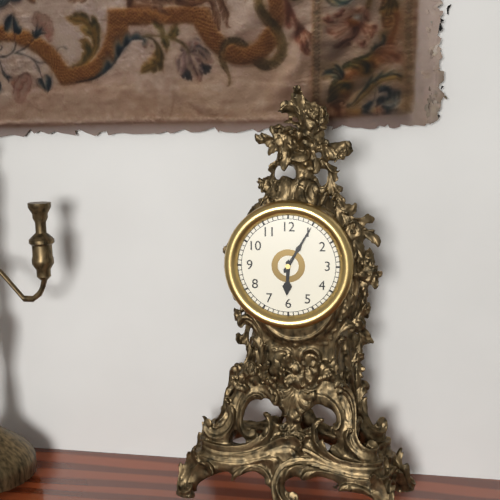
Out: {"hour": 6, "minute": 5}
